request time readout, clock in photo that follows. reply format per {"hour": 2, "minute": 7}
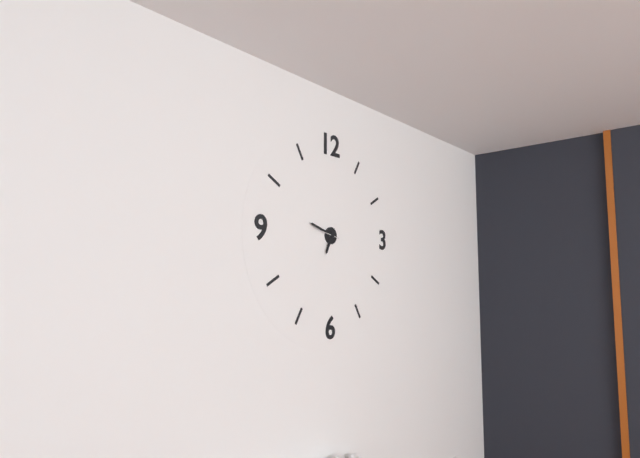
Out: {"hour": 6, "minute": 48}
